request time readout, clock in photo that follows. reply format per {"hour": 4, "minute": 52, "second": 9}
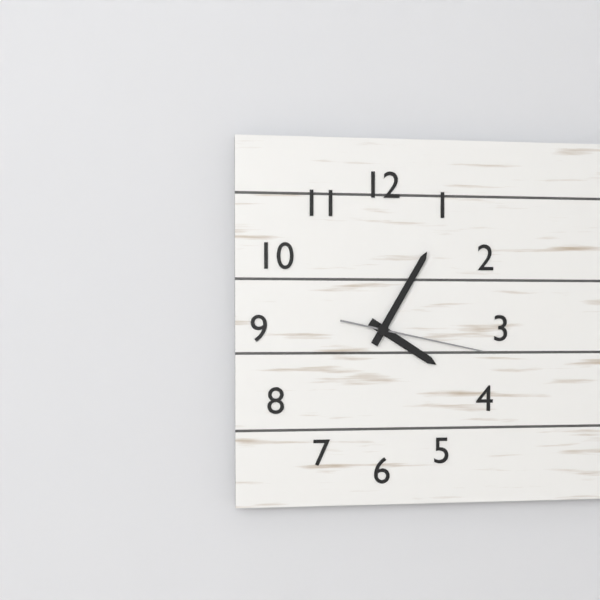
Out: {"hour": 4, "minute": 5, "second": 17}
